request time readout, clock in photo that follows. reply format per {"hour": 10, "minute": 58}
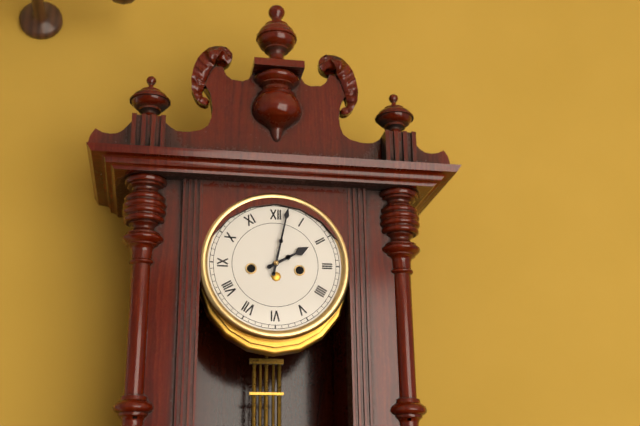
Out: {"hour": 2, "minute": 2}
